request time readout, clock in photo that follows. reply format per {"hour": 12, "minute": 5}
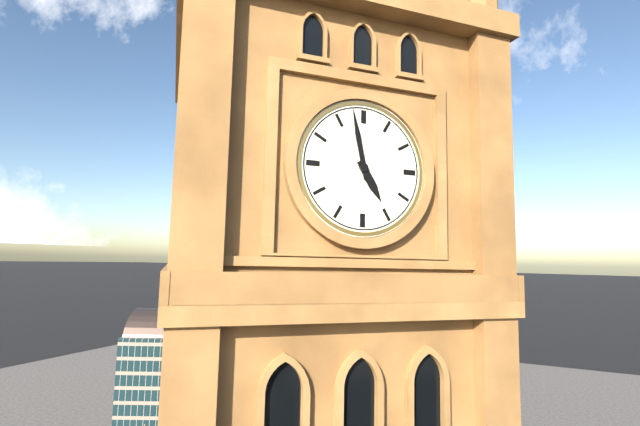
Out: {"hour": 4, "minute": 58}
